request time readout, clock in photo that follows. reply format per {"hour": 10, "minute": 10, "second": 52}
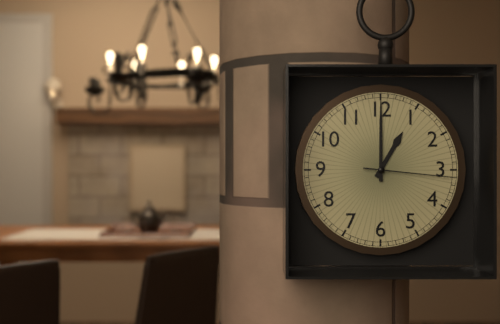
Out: {"hour": 1, "minute": 0, "second": 16}
